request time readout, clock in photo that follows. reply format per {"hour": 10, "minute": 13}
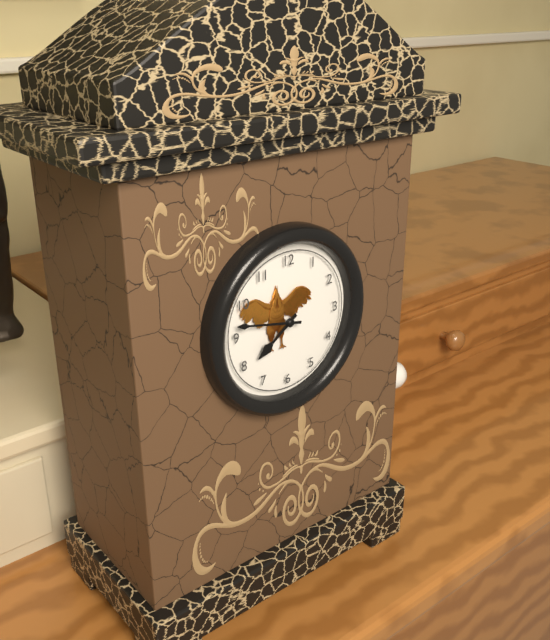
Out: {"hour": 7, "minute": 47}
